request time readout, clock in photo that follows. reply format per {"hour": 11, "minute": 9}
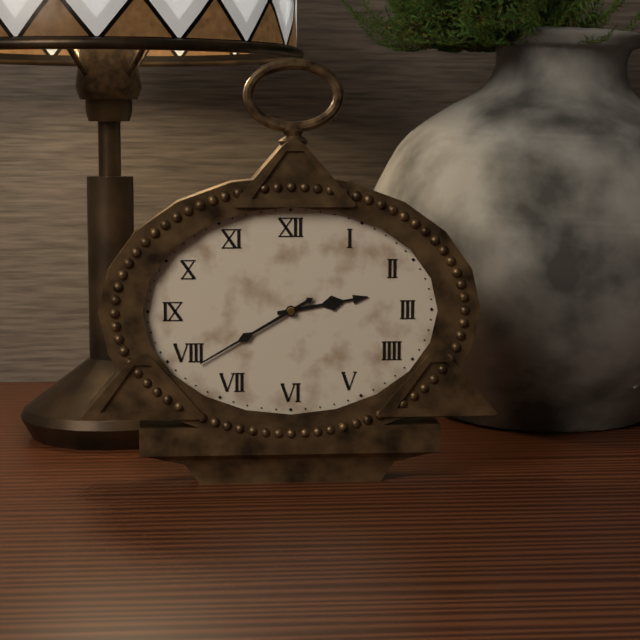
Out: {"hour": 2, "minute": 40}
